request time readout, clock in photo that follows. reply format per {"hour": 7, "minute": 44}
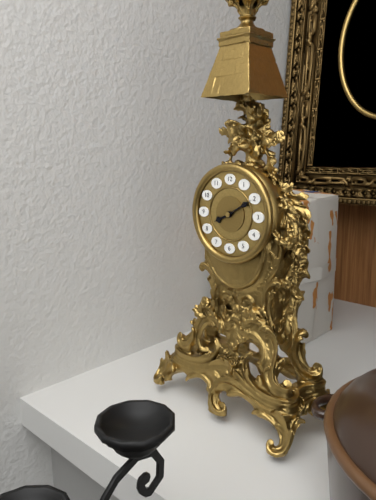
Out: {"hour": 8, "minute": 10}
